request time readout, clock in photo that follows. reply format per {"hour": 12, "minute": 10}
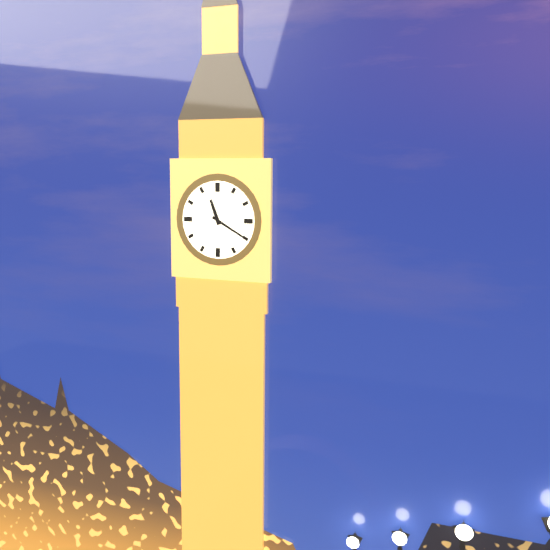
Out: {"hour": 11, "minute": 20}
